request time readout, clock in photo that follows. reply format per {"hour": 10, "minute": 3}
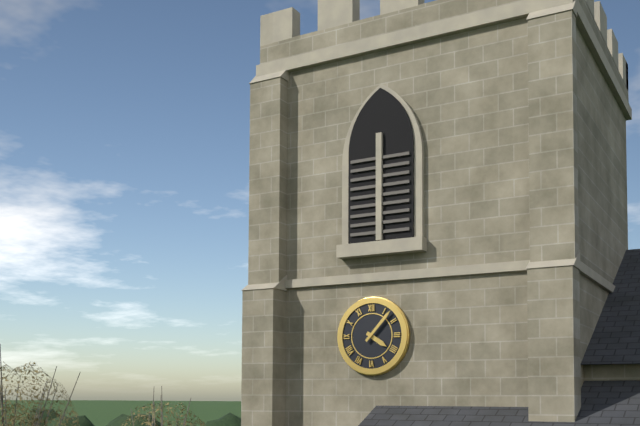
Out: {"hour": 4, "minute": 7}
